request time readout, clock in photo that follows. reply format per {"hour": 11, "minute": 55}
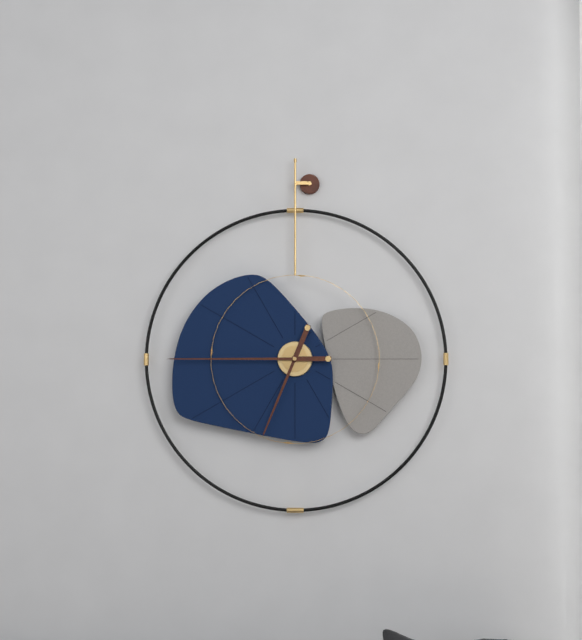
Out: {"hour": 6, "minute": 45}
